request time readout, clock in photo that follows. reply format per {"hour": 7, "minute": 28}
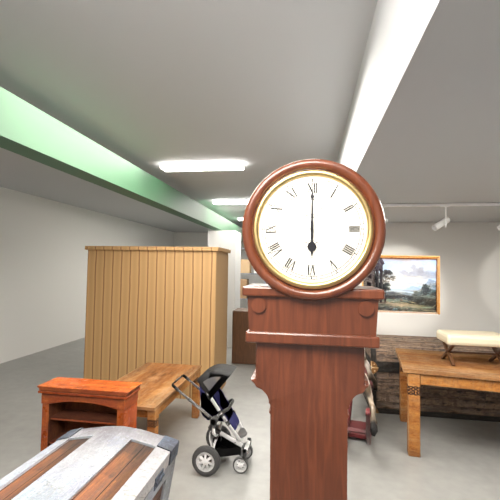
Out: {"hour": 6, "minute": 0}
